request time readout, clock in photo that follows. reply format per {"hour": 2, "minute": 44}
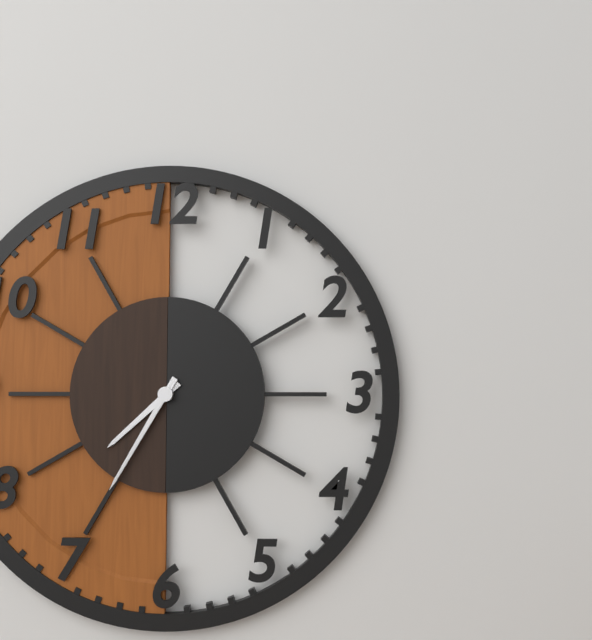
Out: {"hour": 7, "minute": 35}
